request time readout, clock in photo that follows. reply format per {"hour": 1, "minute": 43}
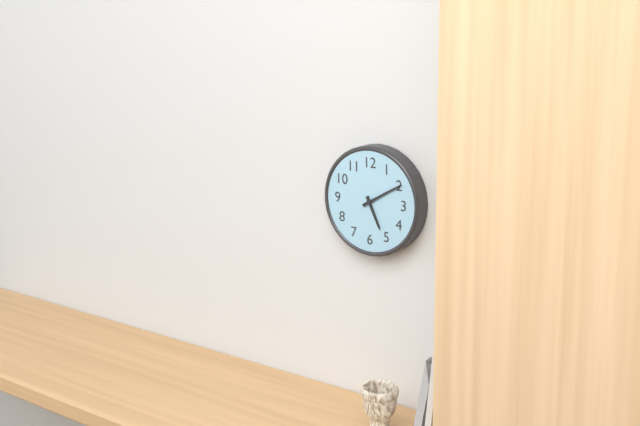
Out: {"hour": 5, "minute": 10}
